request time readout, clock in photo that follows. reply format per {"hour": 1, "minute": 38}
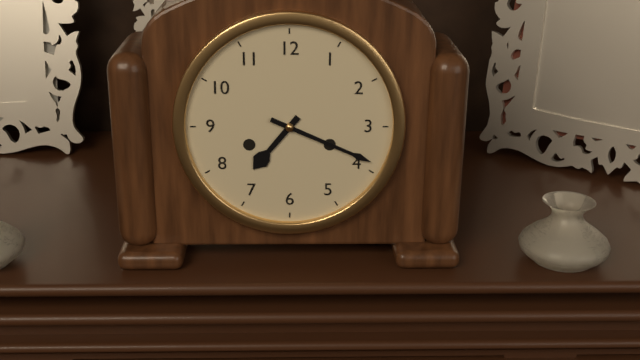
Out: {"hour": 7, "minute": 19}
